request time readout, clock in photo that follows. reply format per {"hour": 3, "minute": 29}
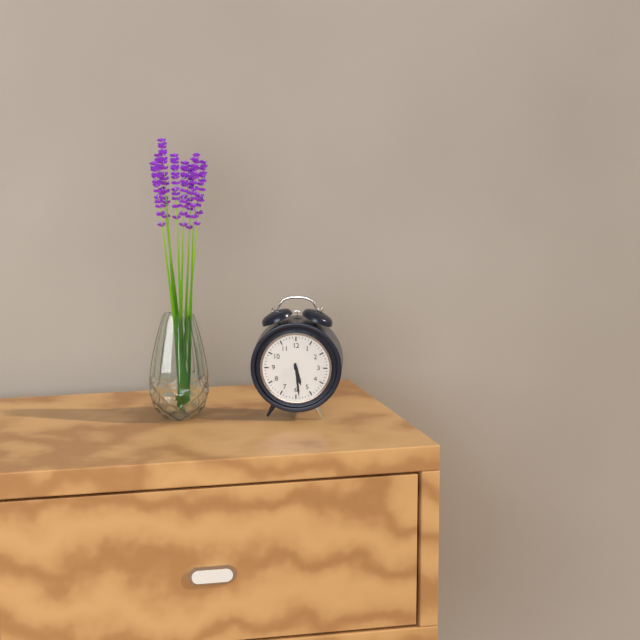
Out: {"hour": 5, "minute": 29}
